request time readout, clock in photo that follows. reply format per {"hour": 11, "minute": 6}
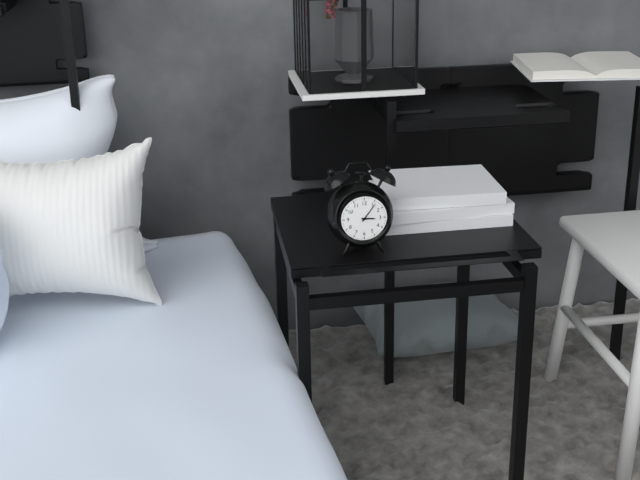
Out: {"hour": 3, "minute": 6}
